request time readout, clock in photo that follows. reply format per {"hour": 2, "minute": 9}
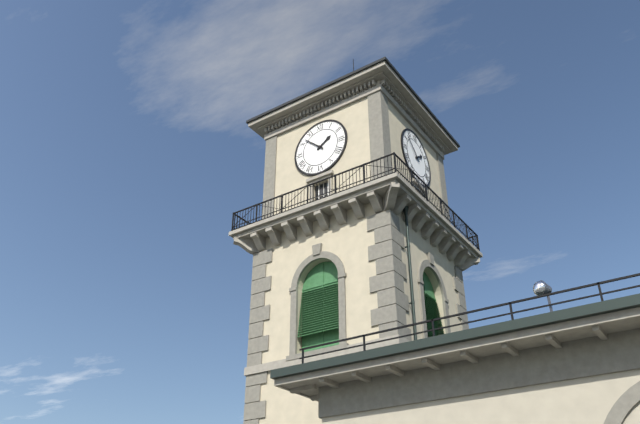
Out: {"hour": 1, "minute": 52}
